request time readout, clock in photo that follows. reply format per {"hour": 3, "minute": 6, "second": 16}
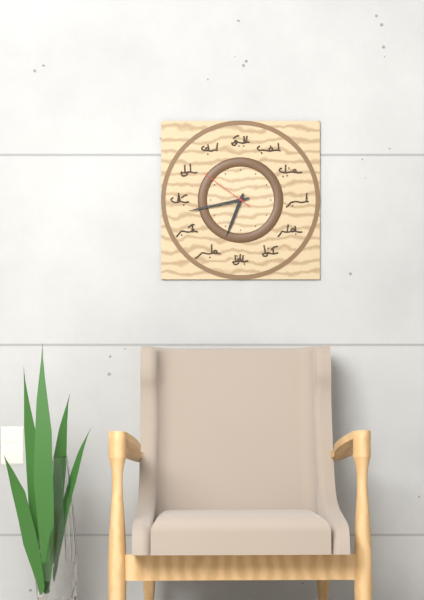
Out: {"hour": 6, "minute": 43, "second": 51}
